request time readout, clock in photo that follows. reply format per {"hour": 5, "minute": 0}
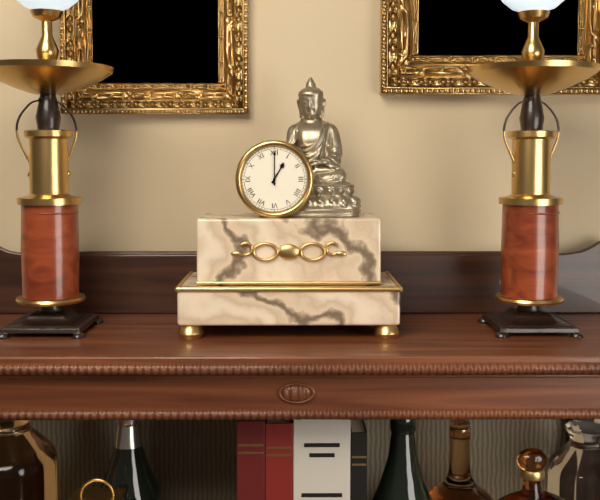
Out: {"hour": 1, "minute": 0}
